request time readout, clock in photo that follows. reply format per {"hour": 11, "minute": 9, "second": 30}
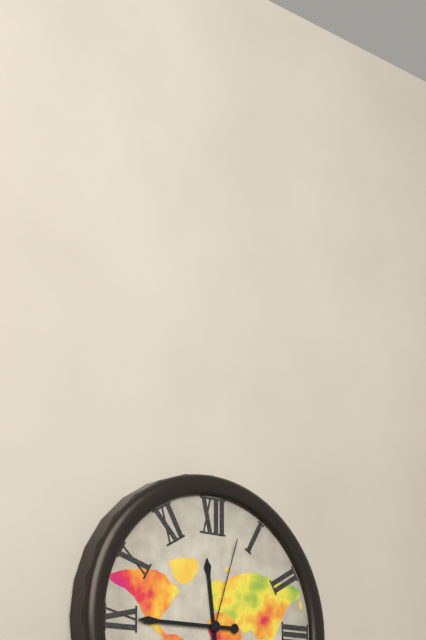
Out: {"hour": 11, "minute": 45, "second": 3}
